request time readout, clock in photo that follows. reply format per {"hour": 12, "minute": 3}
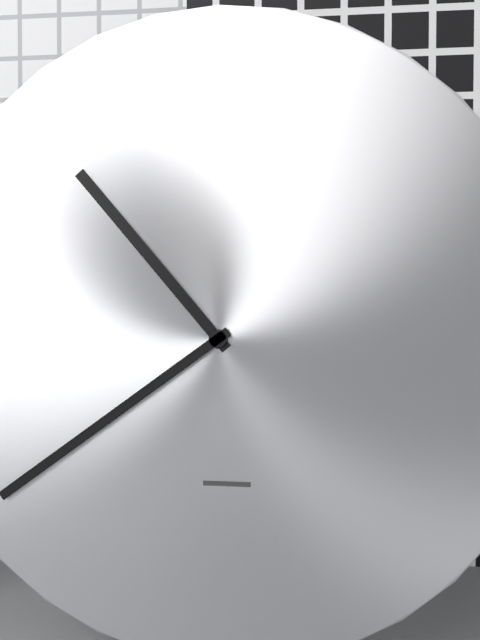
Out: {"hour": 10, "minute": 39}
